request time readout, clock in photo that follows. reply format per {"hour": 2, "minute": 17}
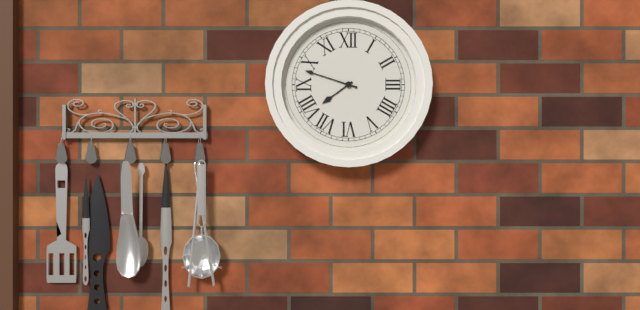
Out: {"hour": 7, "minute": 48}
